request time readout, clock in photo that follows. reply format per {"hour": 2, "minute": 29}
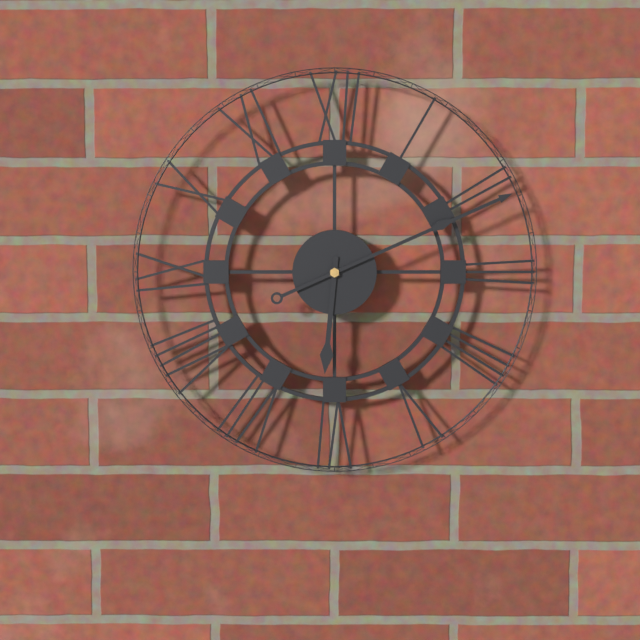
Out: {"hour": 6, "minute": 11}
